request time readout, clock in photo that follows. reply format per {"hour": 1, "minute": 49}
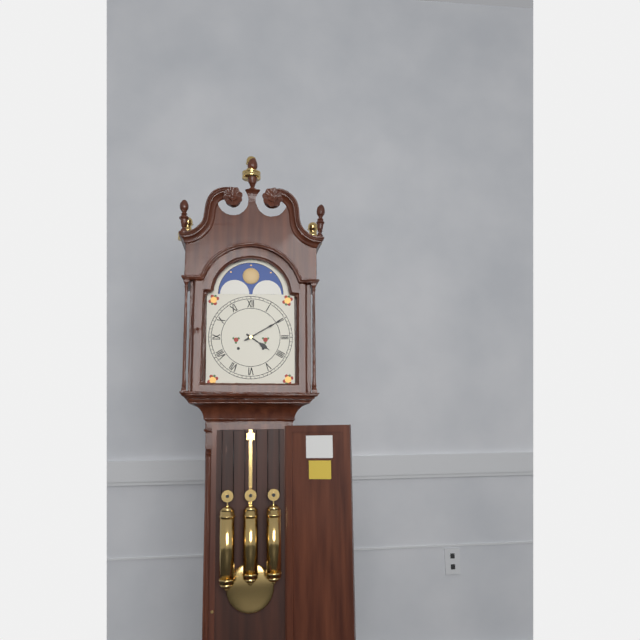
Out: {"hour": 4, "minute": 10}
